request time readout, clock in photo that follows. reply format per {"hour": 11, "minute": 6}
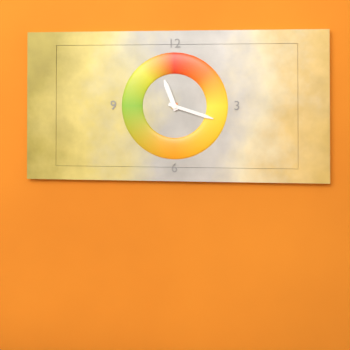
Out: {"hour": 11, "minute": 18}
